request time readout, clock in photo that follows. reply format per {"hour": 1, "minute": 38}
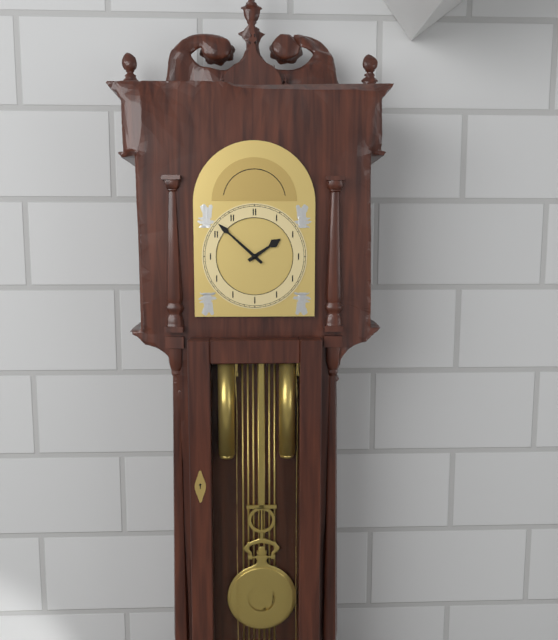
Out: {"hour": 1, "minute": 52}
